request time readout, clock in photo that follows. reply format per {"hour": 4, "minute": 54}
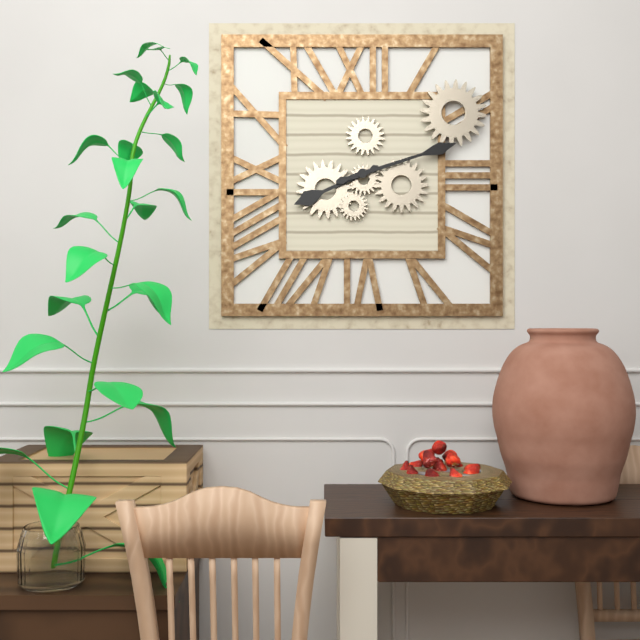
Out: {"hour": 8, "minute": 12}
